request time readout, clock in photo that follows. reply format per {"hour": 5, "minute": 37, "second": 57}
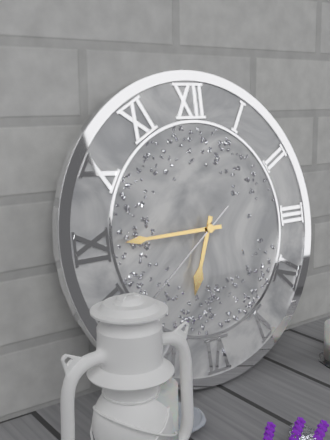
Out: {"hour": 6, "minute": 45, "second": 39}
